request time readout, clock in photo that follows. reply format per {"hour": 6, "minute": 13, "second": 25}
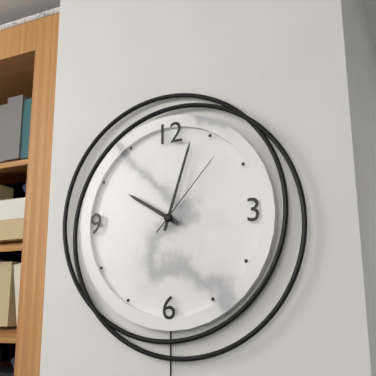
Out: {"hour": 10, "minute": 3, "second": 7}
